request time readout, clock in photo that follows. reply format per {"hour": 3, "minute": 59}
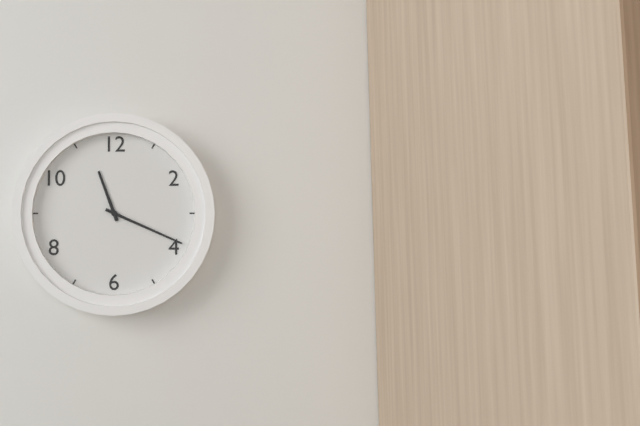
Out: {"hour": 11, "minute": 19}
